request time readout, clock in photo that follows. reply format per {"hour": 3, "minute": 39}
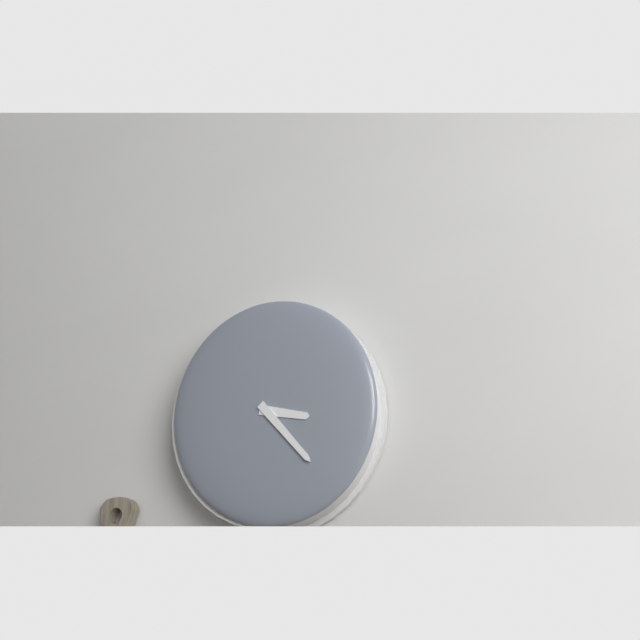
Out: {"hour": 3, "minute": 23}
